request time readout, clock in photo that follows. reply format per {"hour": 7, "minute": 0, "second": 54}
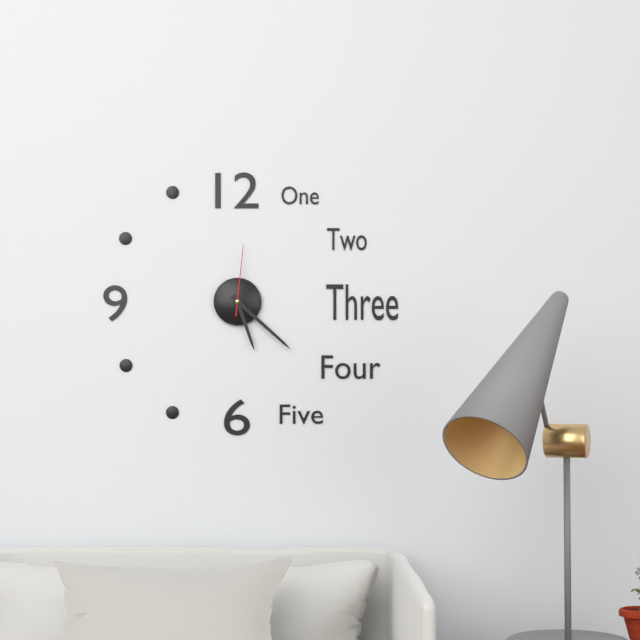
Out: {"hour": 5, "minute": 22, "second": 1}
